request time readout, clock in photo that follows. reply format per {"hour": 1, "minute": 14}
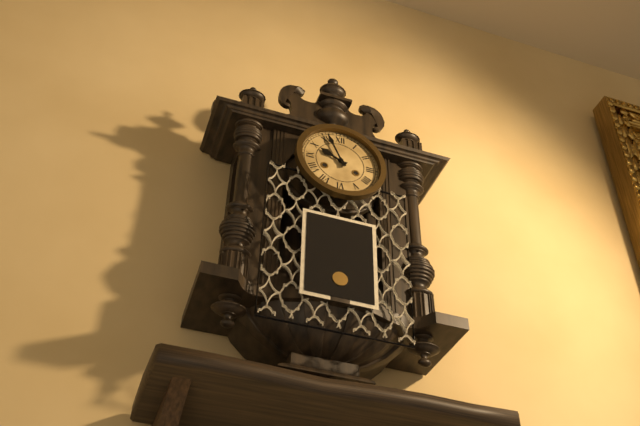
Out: {"hour": 9, "minute": 56}
